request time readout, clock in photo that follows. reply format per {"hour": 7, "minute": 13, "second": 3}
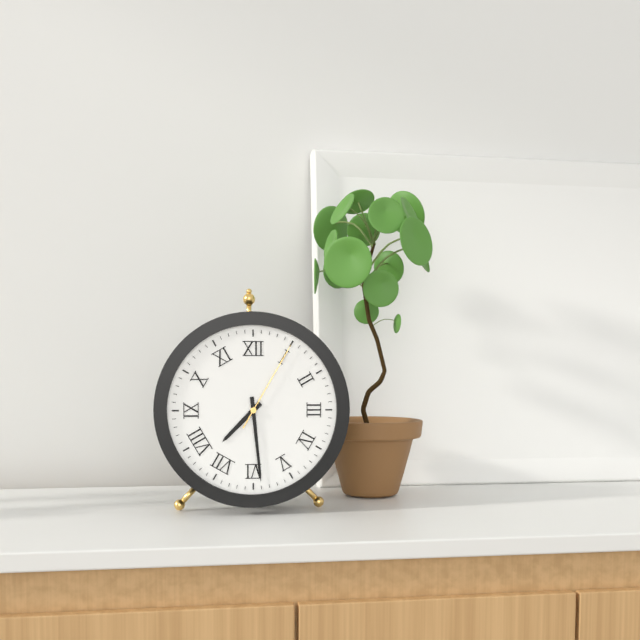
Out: {"hour": 7, "minute": 29, "second": 5}
